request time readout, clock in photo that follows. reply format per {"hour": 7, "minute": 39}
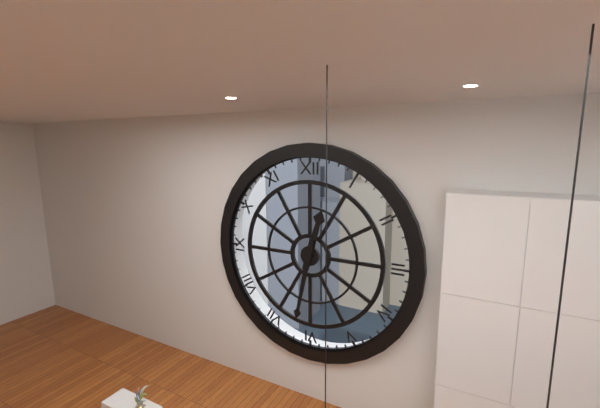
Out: {"hour": 12, "minute": 32}
